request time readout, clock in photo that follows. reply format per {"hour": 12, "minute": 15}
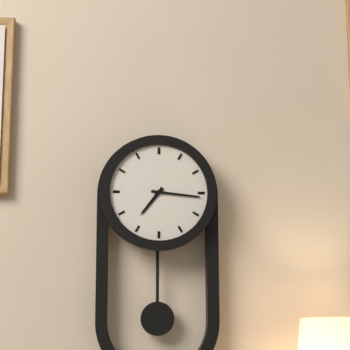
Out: {"hour": 7, "minute": 16}
